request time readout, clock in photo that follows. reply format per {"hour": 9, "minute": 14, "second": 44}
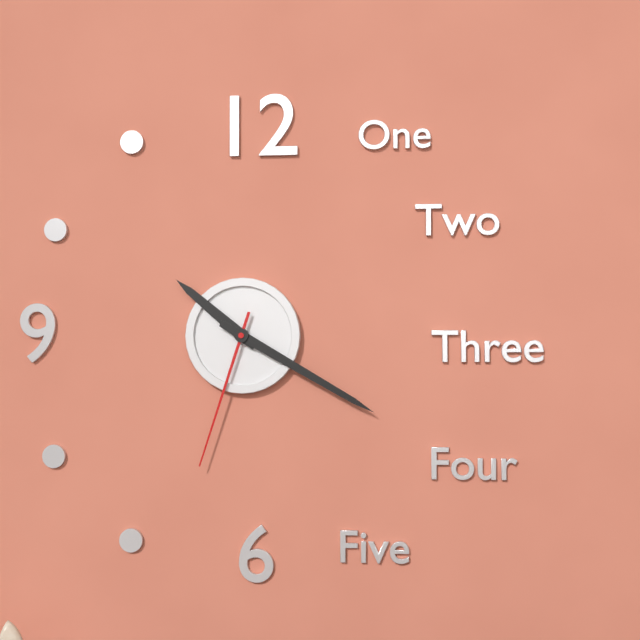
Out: {"hour": 10, "minute": 20, "second": 33}
